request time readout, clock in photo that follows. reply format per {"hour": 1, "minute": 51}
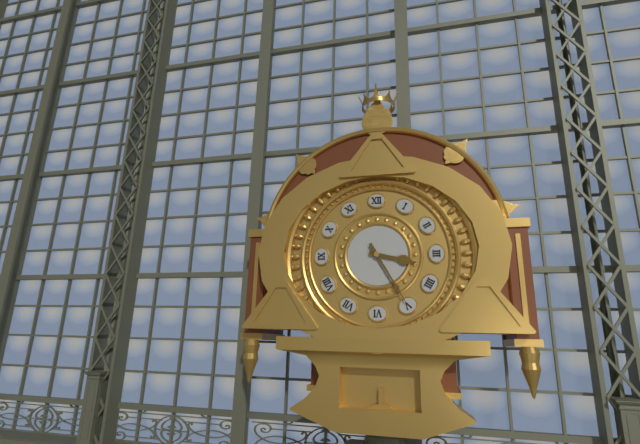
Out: {"hour": 3, "minute": 25}
